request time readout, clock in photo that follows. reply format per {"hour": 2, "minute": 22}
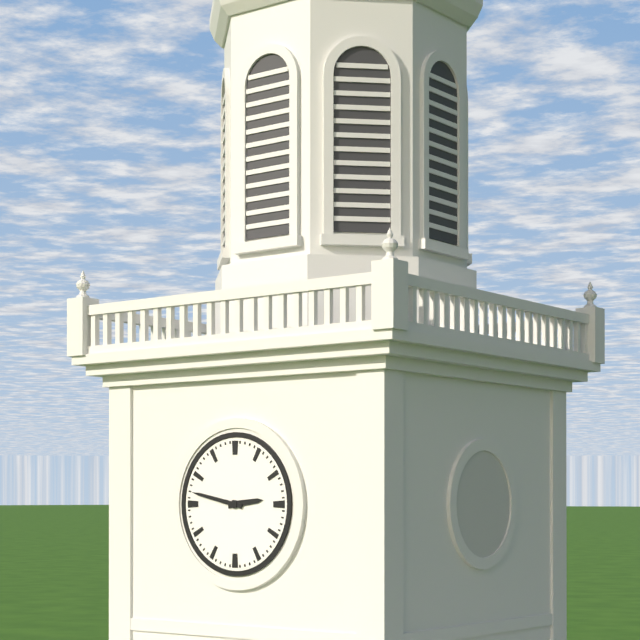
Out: {"hour": 2, "minute": 47}
